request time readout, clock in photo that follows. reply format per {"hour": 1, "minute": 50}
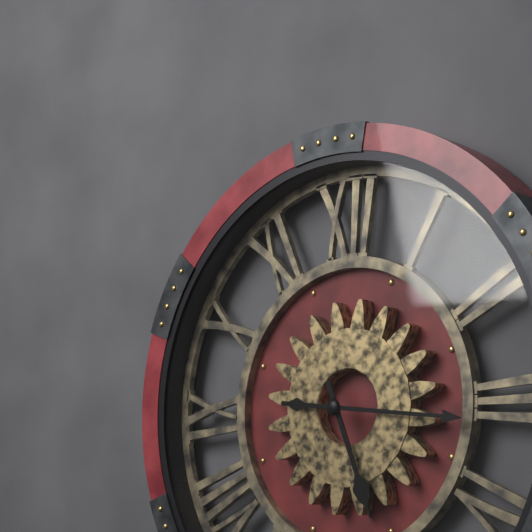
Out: {"hour": 5, "minute": 16}
